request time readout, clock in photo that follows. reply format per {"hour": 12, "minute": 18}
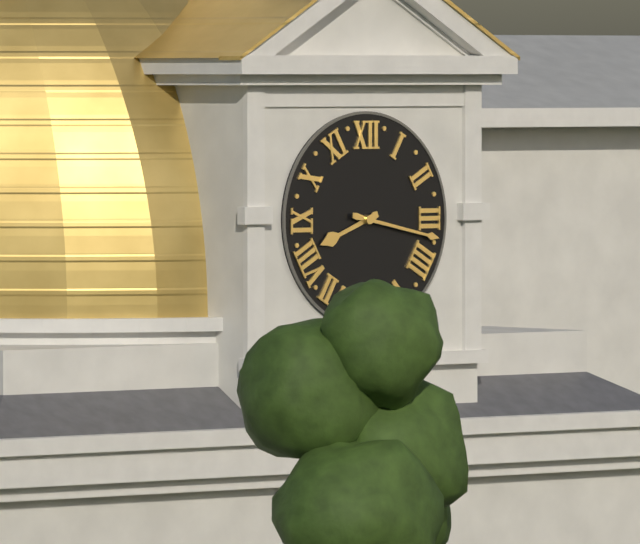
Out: {"hour": 8, "minute": 17}
